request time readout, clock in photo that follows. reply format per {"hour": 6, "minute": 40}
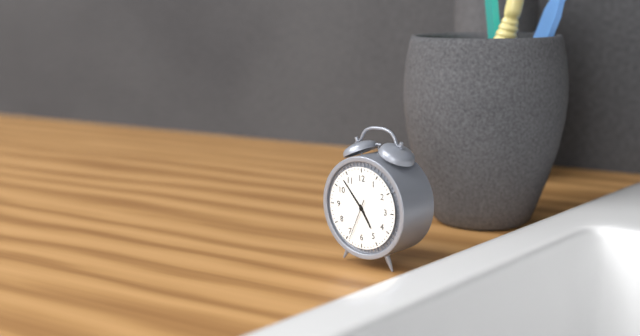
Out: {"hour": 4, "minute": 53}
